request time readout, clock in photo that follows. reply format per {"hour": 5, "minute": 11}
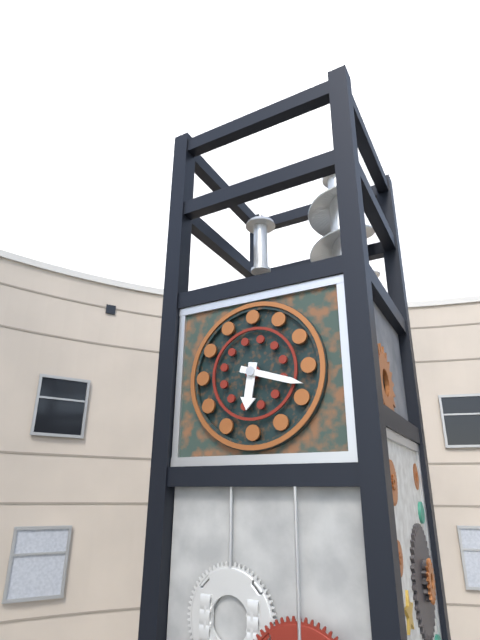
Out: {"hour": 6, "minute": 18}
